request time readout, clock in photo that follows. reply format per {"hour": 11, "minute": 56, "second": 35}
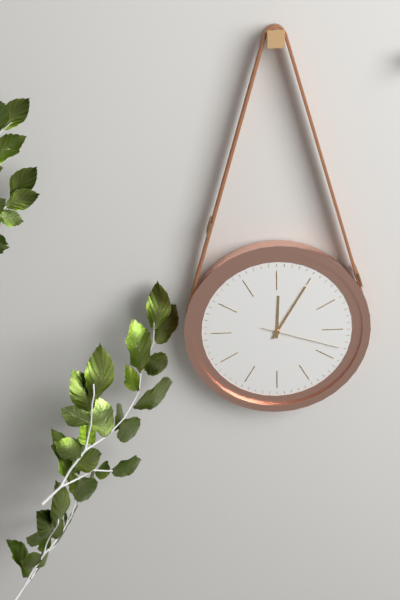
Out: {"hour": 12, "minute": 5, "second": 18}
